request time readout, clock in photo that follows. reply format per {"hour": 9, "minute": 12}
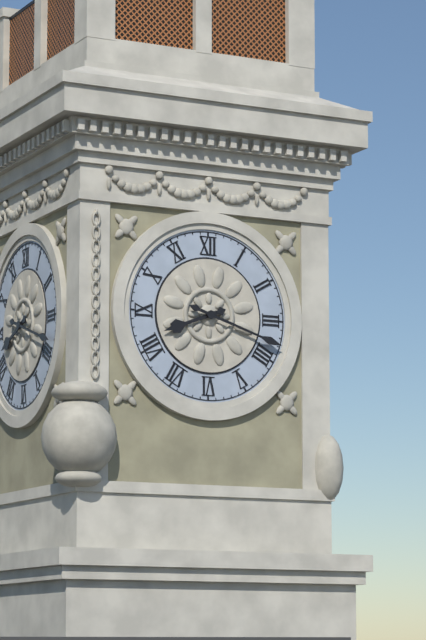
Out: {"hour": 8, "minute": 18}
